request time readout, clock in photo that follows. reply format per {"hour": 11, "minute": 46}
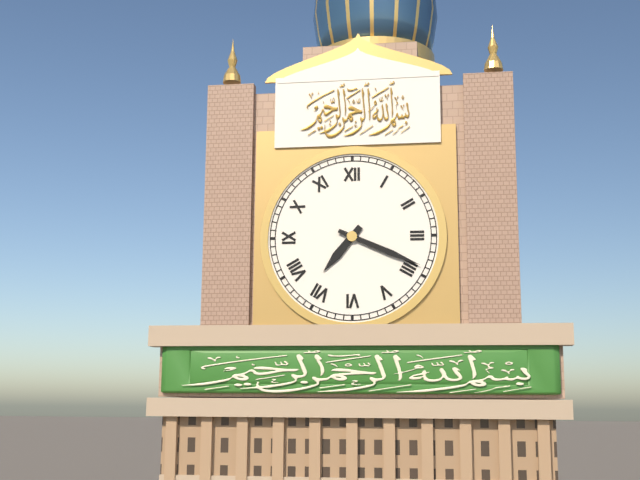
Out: {"hour": 7, "minute": 19}
